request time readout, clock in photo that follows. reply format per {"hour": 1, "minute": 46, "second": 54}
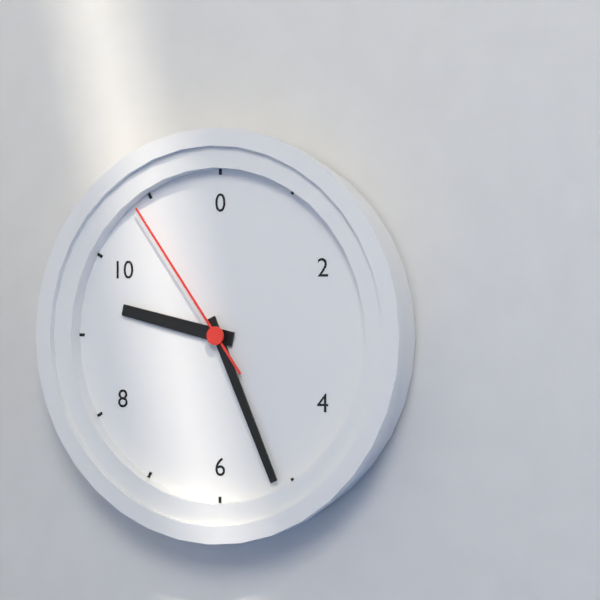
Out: {"hour": 9, "minute": 26, "second": 54}
